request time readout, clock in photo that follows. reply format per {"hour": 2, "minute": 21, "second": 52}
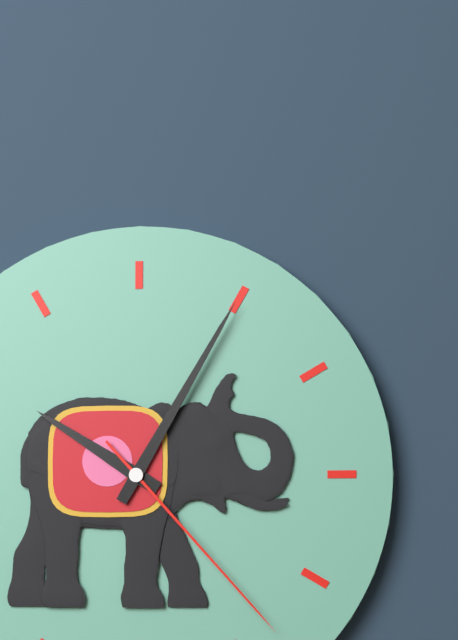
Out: {"hour": 10, "minute": 5, "second": 23}
